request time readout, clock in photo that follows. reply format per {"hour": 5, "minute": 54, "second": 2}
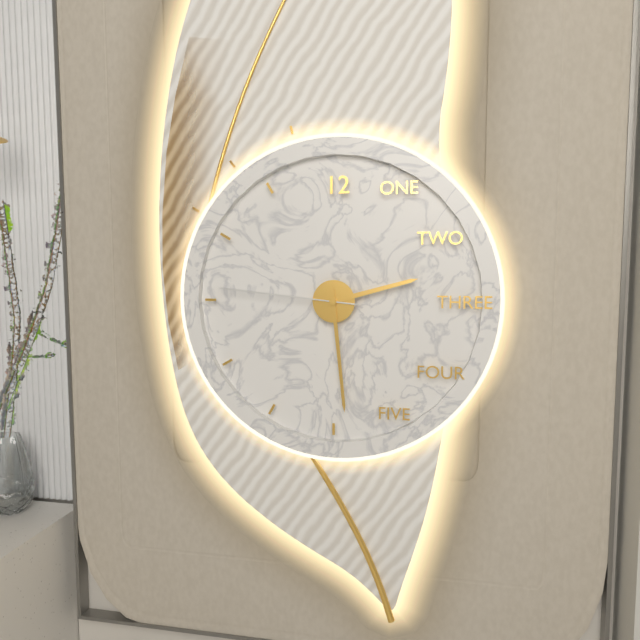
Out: {"hour": 2, "minute": 29, "second": 46}
